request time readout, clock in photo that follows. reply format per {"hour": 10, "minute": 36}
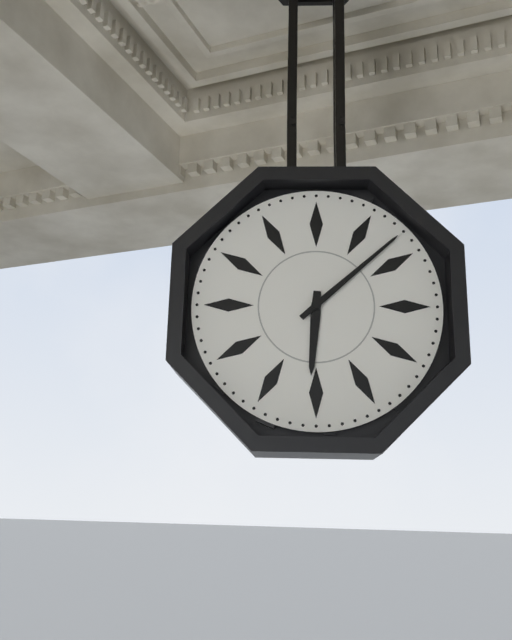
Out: {"hour": 6, "minute": 8}
